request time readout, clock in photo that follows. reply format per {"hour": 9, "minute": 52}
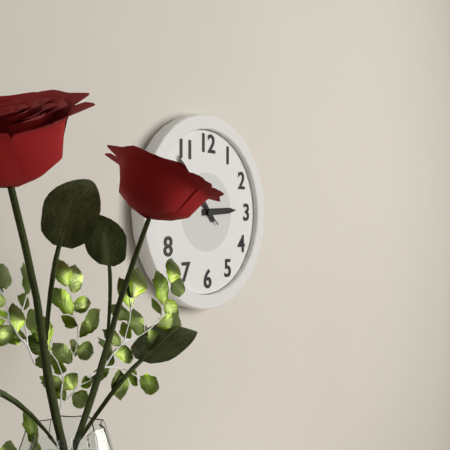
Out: {"hour": 2, "minute": 53}
